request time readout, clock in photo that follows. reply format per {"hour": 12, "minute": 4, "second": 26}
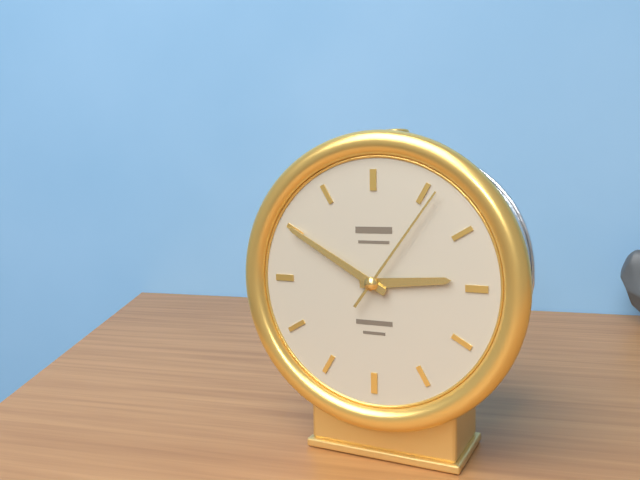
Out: {"hour": 2, "minute": 50, "second": 6}
